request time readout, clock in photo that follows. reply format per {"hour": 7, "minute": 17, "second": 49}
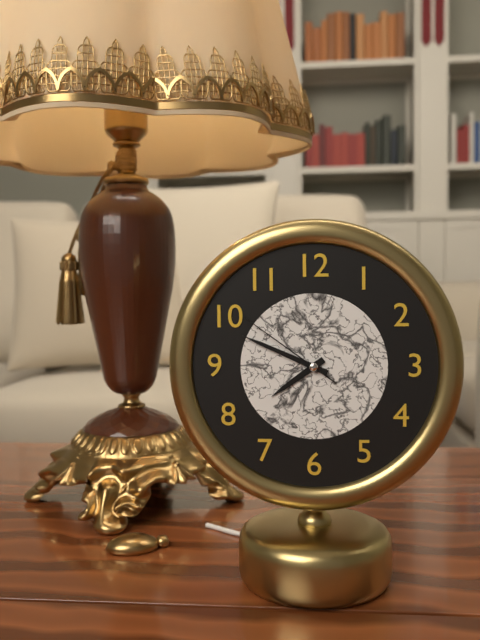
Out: {"hour": 7, "minute": 49, "second": 51}
